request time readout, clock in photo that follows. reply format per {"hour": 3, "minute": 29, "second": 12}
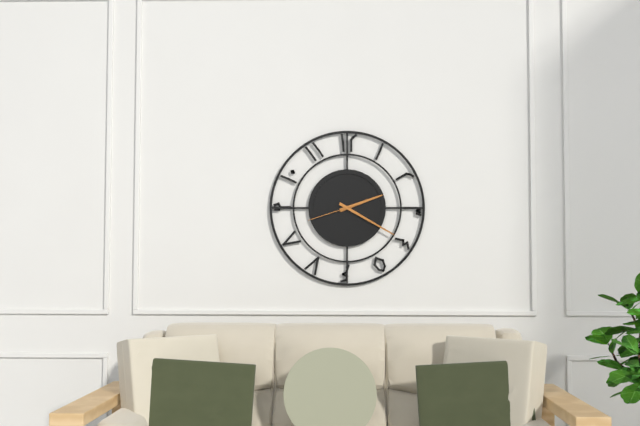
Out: {"hour": 2, "minute": 20, "second": 42}
